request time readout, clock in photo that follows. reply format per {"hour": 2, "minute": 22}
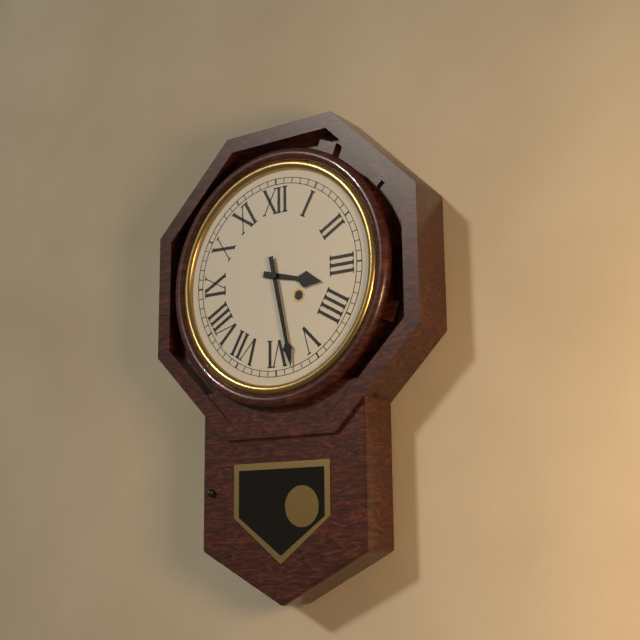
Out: {"hour": 3, "minute": 28}
